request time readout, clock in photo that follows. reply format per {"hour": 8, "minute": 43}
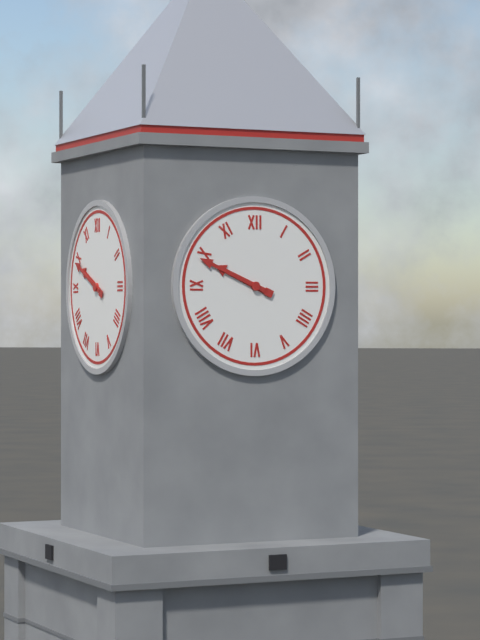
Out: {"hour": 9, "minute": 49}
